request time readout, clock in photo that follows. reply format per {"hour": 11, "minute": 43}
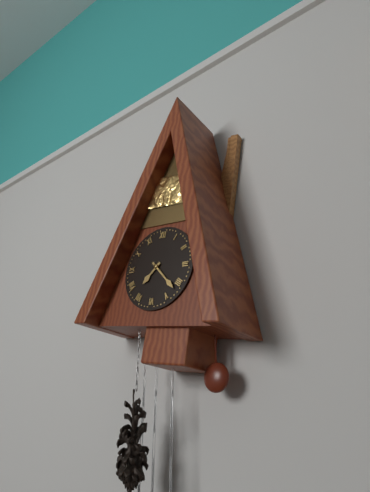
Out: {"hour": 7, "minute": 22}
